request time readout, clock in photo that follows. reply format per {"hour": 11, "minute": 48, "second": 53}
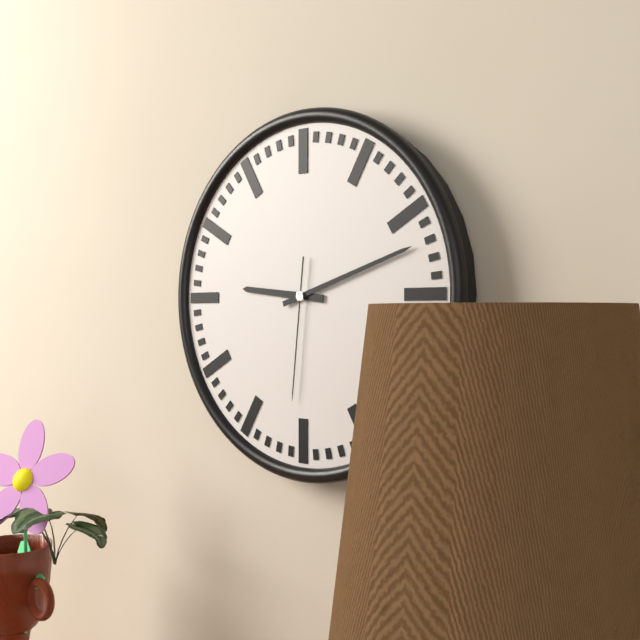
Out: {"hour": 9, "minute": 12, "second": 31}
